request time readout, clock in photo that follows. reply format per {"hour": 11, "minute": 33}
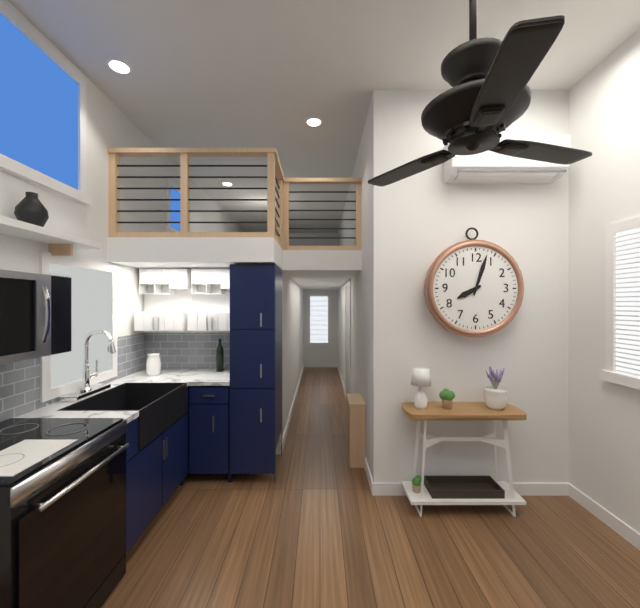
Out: {"hour": 8, "minute": 3}
